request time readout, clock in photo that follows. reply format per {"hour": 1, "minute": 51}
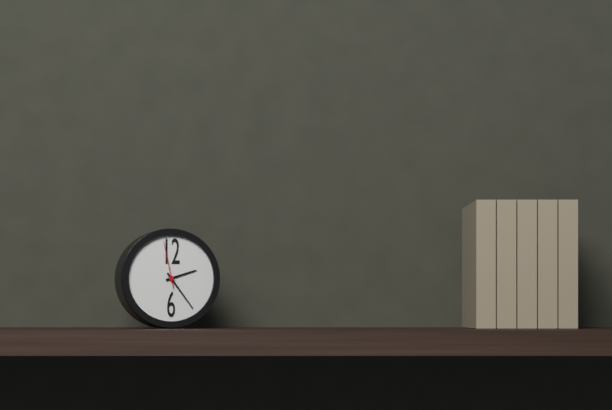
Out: {"hour": 2, "minute": 24}
